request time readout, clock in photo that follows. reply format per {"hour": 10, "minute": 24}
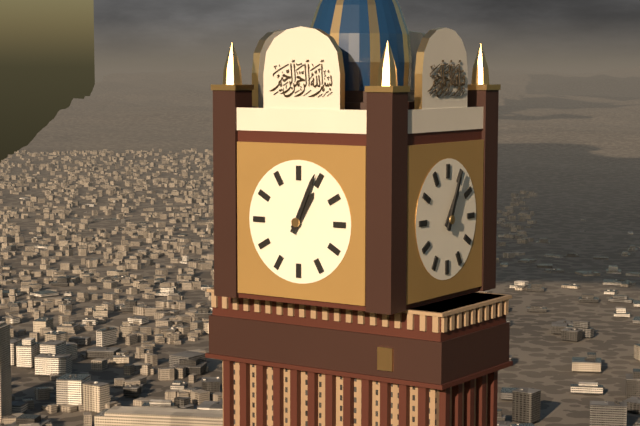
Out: {"hour": 1, "minute": 4}
